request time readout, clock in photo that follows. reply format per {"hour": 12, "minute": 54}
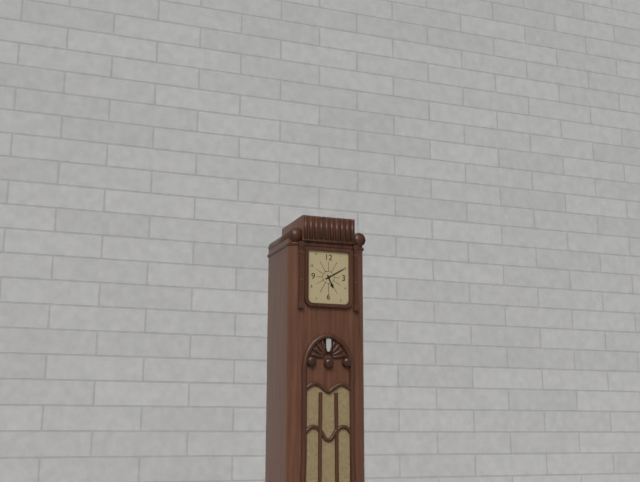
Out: {"hour": 5, "minute": 10}
